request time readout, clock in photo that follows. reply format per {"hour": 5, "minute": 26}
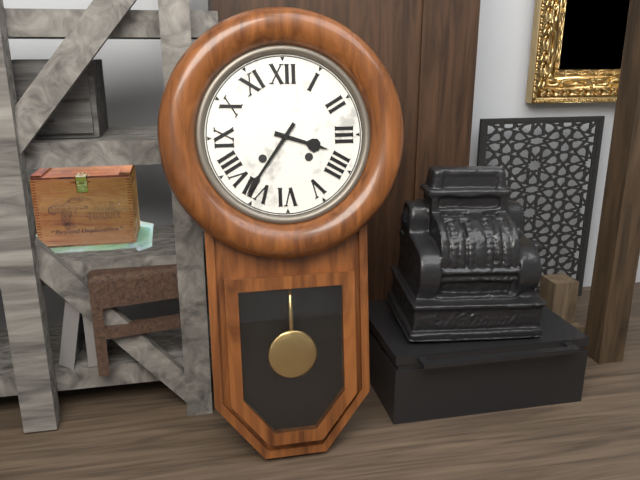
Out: {"hour": 3, "minute": 36}
